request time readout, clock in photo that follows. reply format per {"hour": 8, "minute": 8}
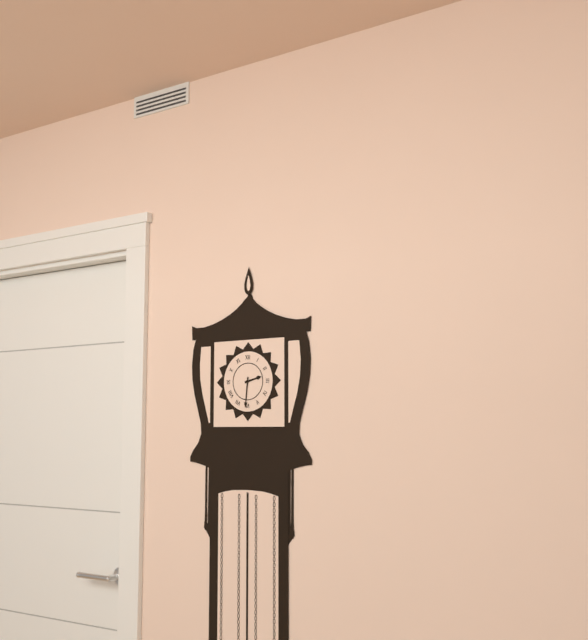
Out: {"hour": 2, "minute": 31}
